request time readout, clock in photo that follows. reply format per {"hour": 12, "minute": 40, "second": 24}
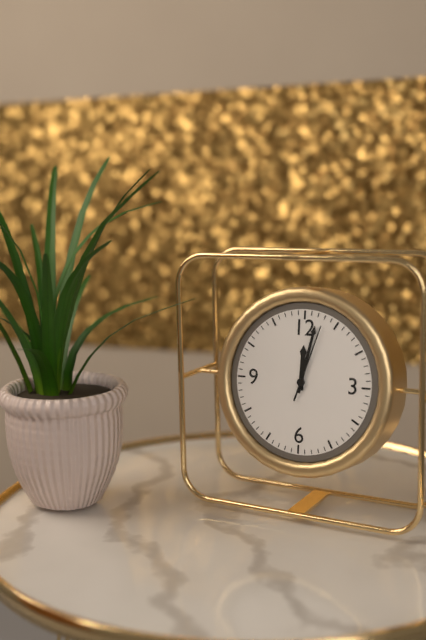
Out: {"hour": 12, "minute": 2, "second": 3}
